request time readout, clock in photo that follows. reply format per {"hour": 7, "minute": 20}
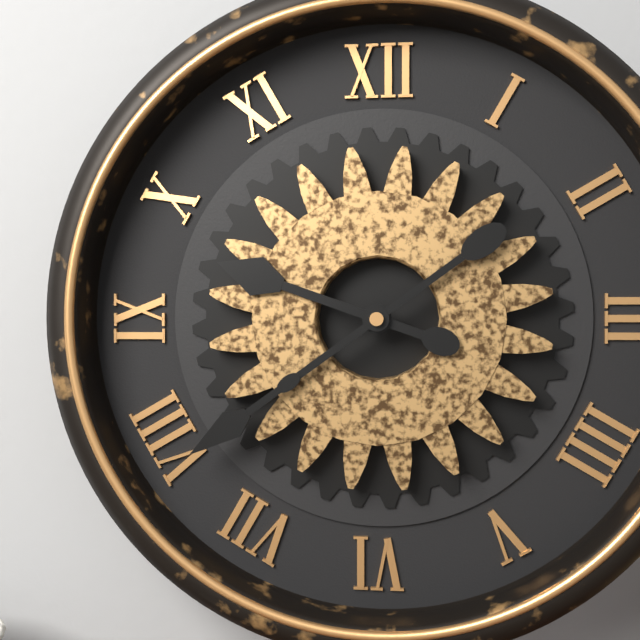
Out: {"hour": 9, "minute": 39}
